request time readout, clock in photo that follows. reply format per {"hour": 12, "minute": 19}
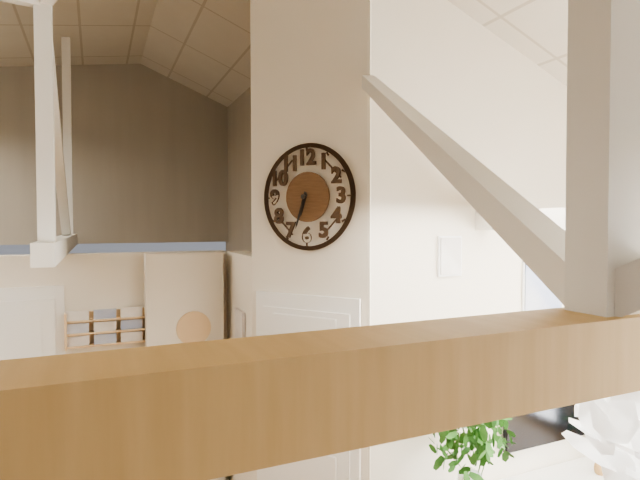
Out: {"hour": 6, "minute": 33}
